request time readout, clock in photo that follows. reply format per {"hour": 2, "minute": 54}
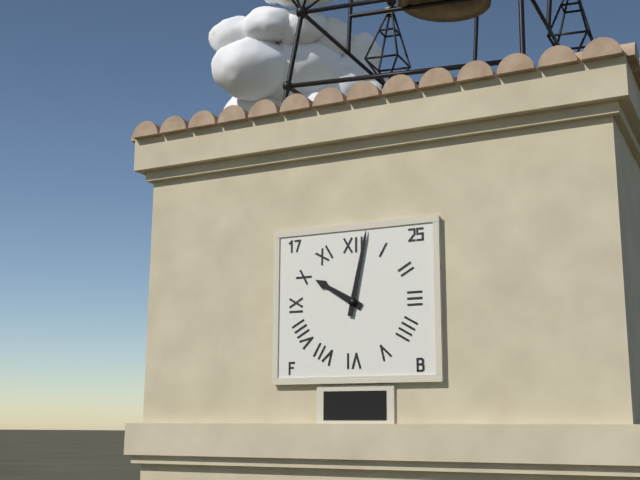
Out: {"hour": 10, "minute": 2}
